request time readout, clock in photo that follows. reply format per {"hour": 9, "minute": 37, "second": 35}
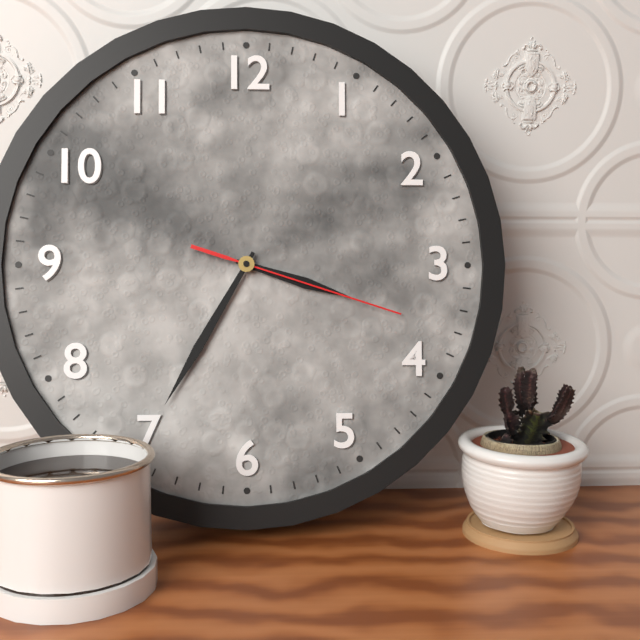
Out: {"hour": 3, "minute": 35, "second": 18}
